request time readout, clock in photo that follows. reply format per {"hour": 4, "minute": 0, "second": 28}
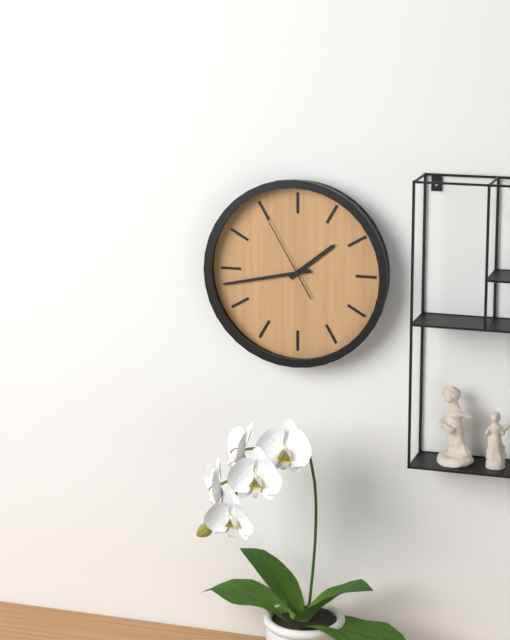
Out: {"hour": 1, "minute": 43, "second": 55}
